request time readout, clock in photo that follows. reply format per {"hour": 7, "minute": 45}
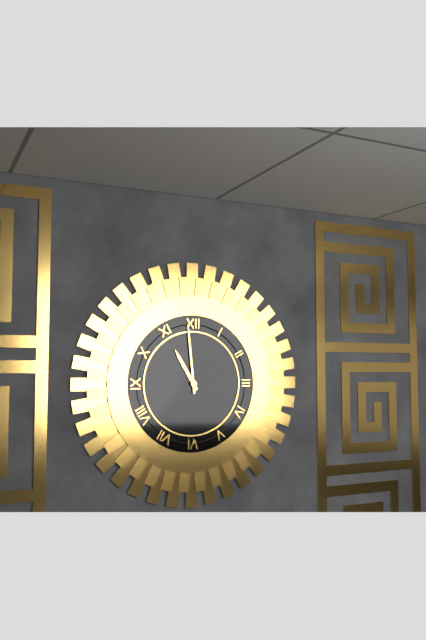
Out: {"hour": 10, "minute": 59}
